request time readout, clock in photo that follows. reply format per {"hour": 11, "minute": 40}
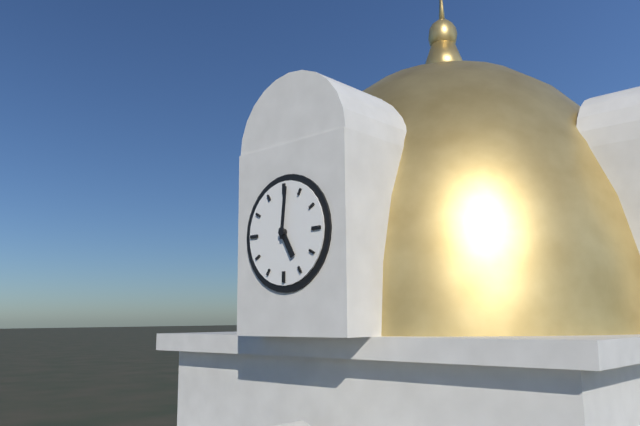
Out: {"hour": 5, "minute": 1}
